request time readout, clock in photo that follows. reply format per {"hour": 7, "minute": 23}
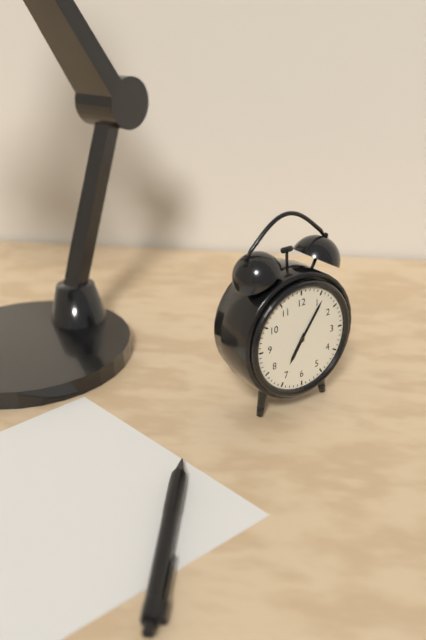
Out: {"hour": 7, "minute": 6}
